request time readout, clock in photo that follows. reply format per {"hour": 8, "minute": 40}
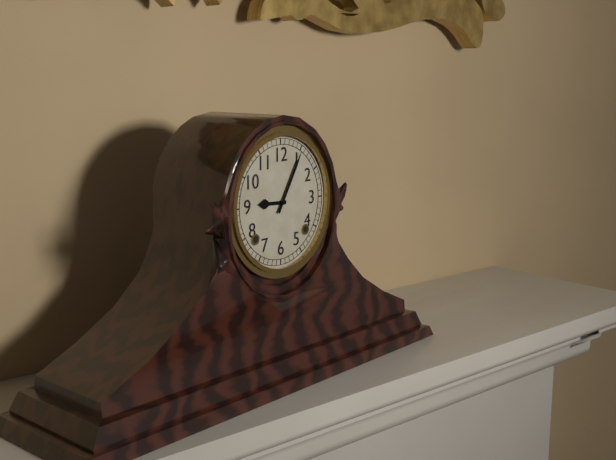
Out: {"hour": 9, "minute": 5}
